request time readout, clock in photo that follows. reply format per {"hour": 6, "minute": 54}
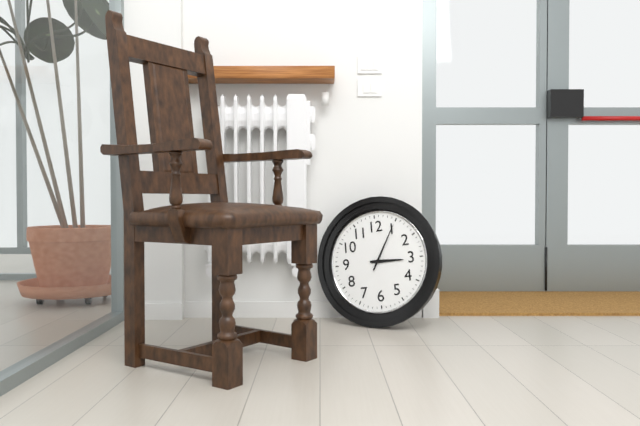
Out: {"hour": 3, "minute": 5}
